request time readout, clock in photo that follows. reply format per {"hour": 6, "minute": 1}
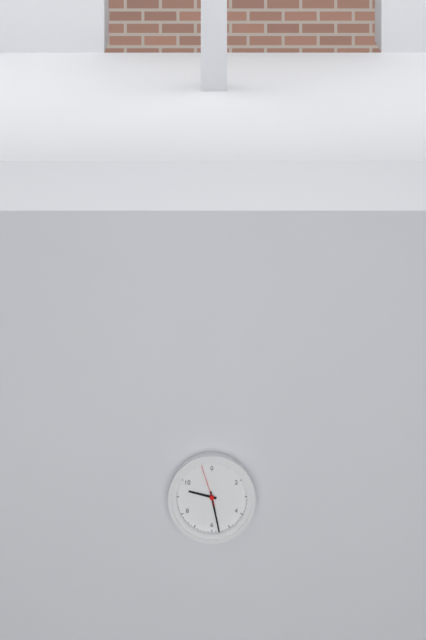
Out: {"hour": 9, "minute": 28}
